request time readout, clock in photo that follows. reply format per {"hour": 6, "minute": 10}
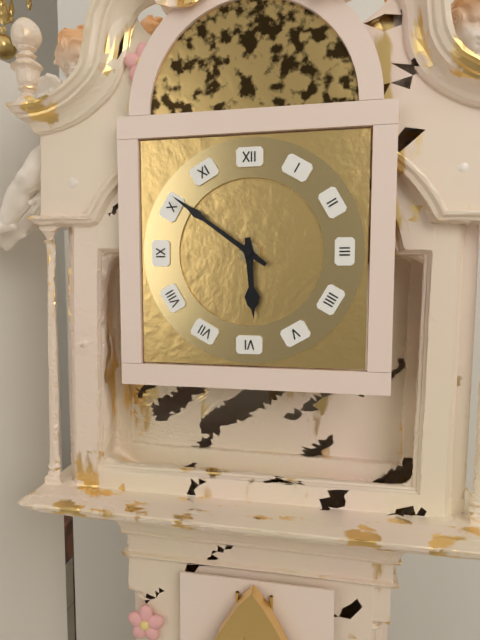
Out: {"hour": 5, "minute": 51}
